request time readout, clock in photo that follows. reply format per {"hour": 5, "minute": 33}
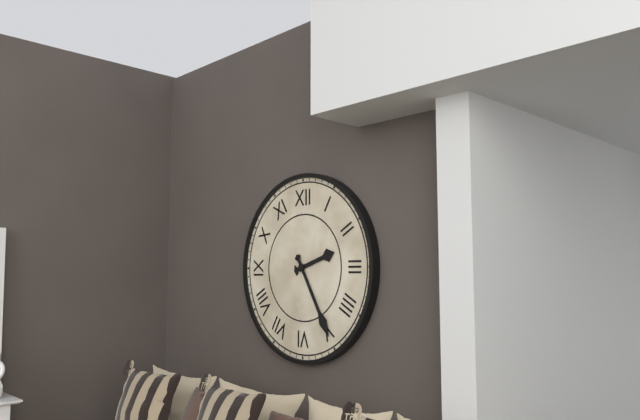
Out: {"hour": 2, "minute": 25}
